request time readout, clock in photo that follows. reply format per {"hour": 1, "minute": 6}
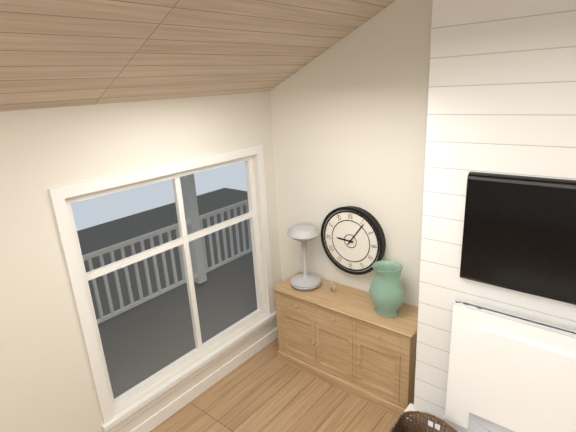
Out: {"hour": 9, "minute": 6}
